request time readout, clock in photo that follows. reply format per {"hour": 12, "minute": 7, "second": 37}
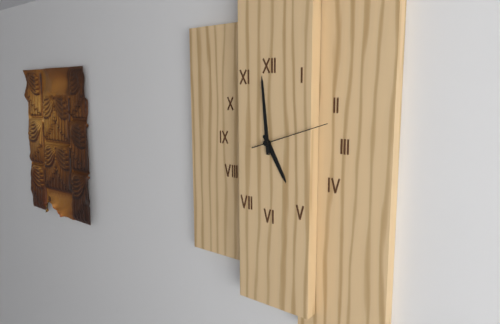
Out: {"hour": 4, "minute": 59, "second": 12}
